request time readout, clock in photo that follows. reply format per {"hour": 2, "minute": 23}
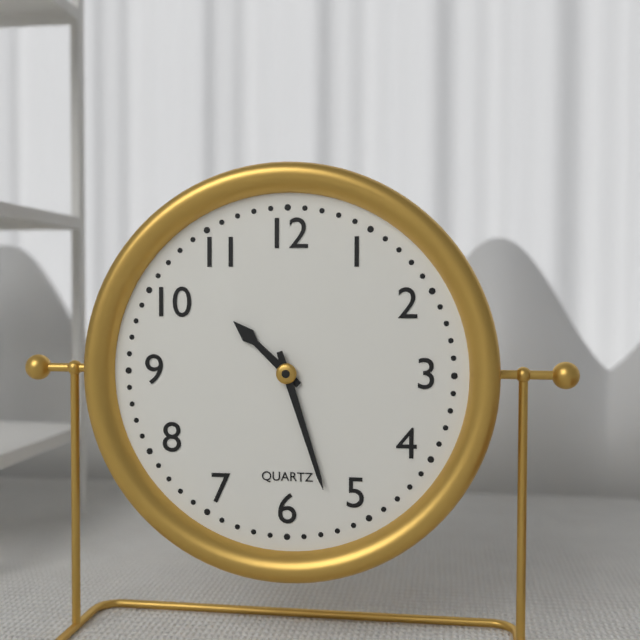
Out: {"hour": 10, "minute": 27}
